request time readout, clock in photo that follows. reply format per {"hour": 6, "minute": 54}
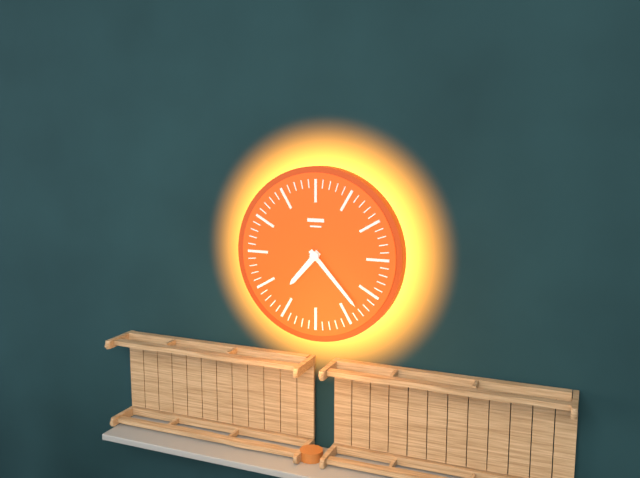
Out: {"hour": 7, "minute": 23}
